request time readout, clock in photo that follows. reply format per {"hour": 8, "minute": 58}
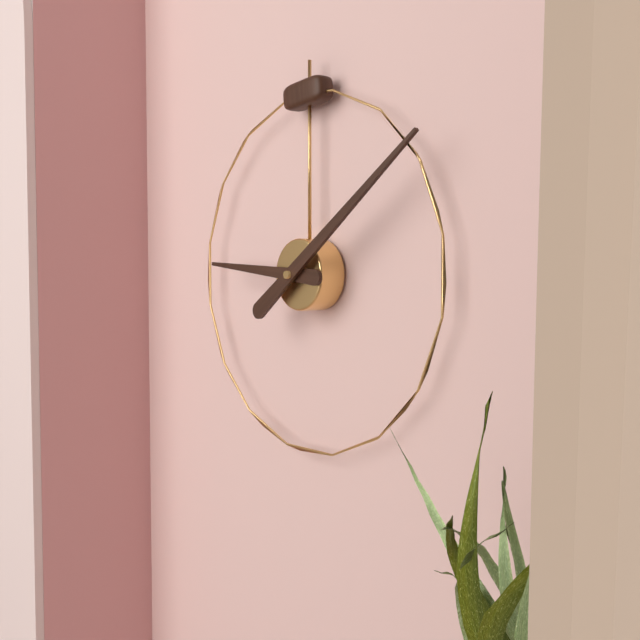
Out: {"hour": 9, "minute": 9}
